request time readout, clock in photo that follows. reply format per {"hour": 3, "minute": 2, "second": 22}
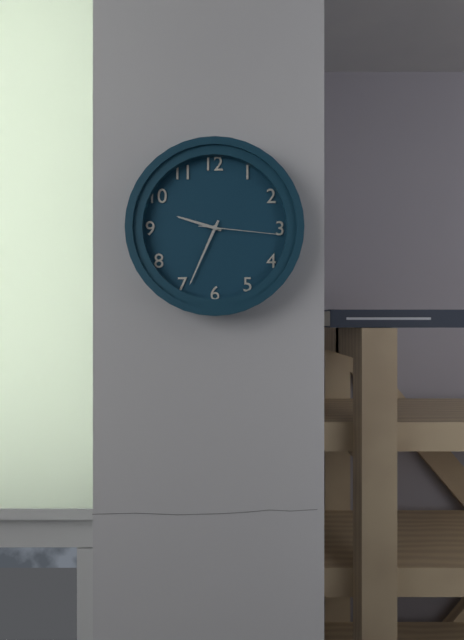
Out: {"hour": 9, "minute": 34, "second": 16}
